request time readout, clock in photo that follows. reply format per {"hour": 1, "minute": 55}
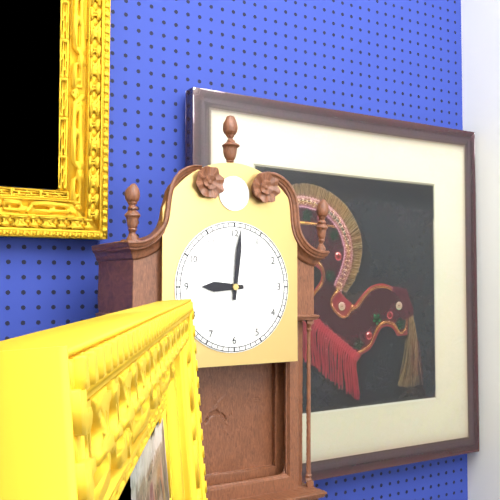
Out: {"hour": 9, "minute": 1}
